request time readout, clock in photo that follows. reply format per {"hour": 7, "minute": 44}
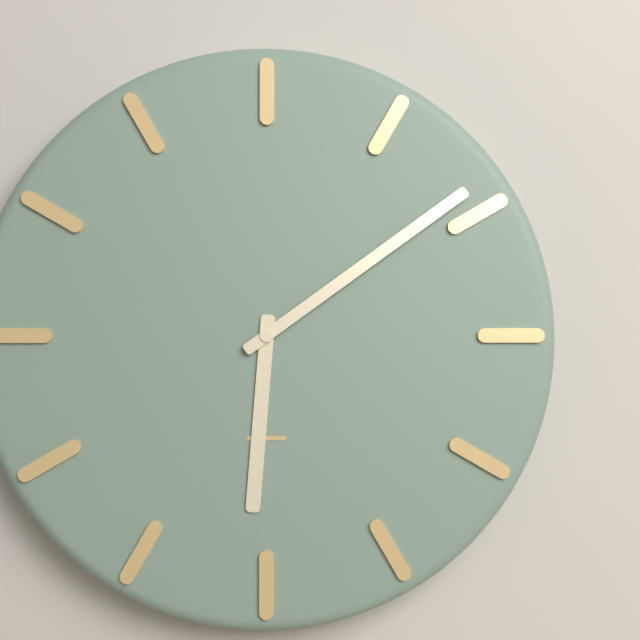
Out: {"hour": 6, "minute": 9}
